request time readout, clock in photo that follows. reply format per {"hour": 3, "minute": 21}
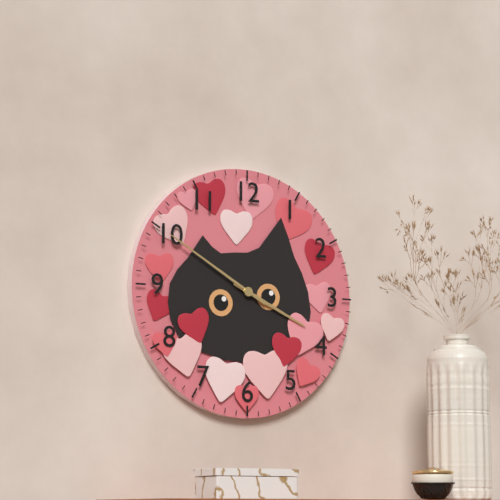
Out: {"hour": 3, "minute": 50}
